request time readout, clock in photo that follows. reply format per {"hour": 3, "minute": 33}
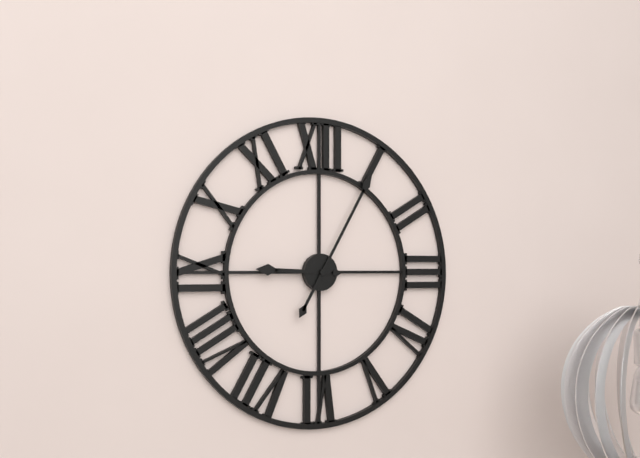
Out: {"hour": 9, "minute": 5}
